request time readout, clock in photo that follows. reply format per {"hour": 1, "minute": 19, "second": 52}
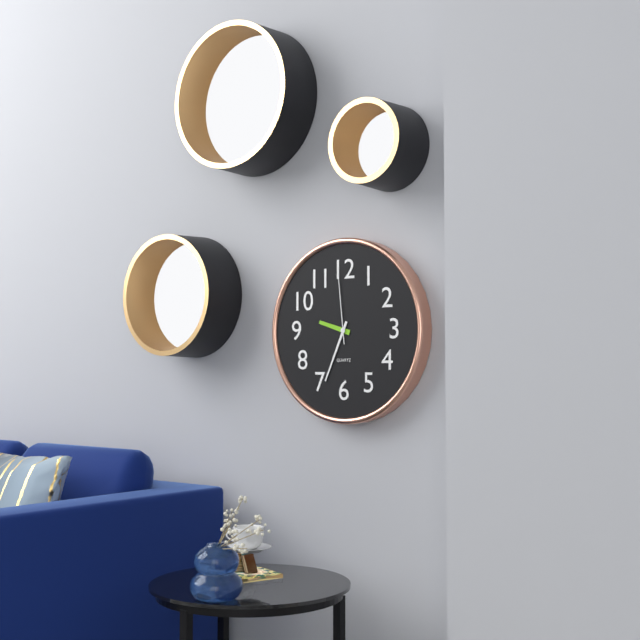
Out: {"hour": 9, "minute": 34, "second": 59}
